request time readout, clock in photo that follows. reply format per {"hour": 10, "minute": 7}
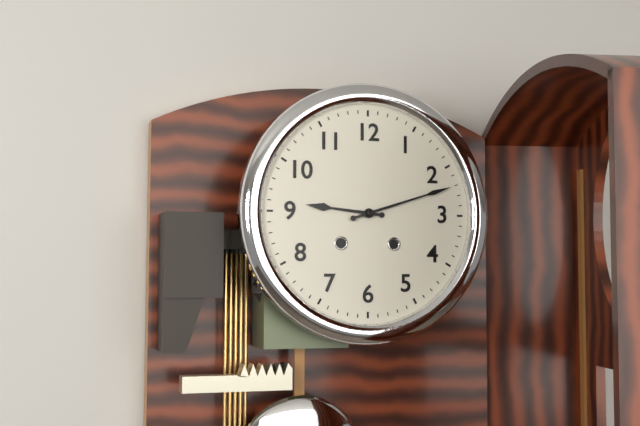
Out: {"hour": 9, "minute": 12}
